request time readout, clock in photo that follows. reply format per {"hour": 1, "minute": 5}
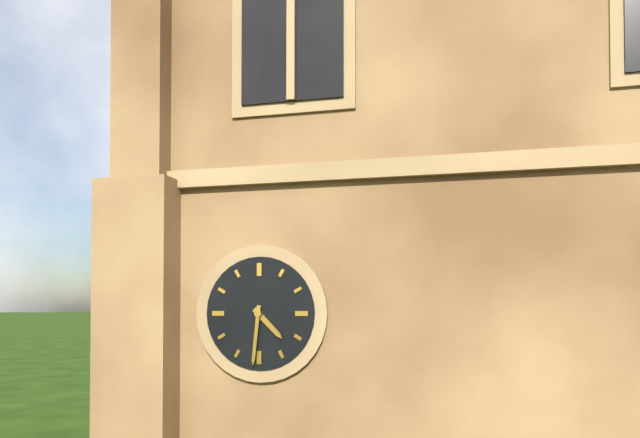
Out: {"hour": 4, "minute": 31}
